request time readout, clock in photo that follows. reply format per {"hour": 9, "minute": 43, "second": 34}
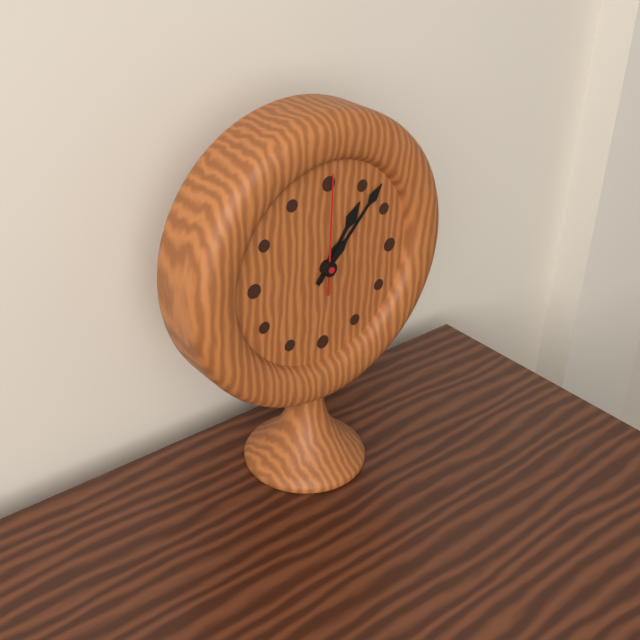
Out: {"hour": 1, "minute": 7, "second": 0}
